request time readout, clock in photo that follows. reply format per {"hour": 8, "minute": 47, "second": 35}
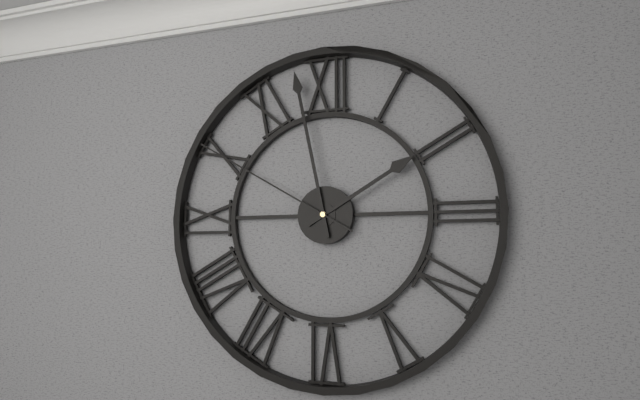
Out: {"hour": 1, "minute": 58, "second": 50}
